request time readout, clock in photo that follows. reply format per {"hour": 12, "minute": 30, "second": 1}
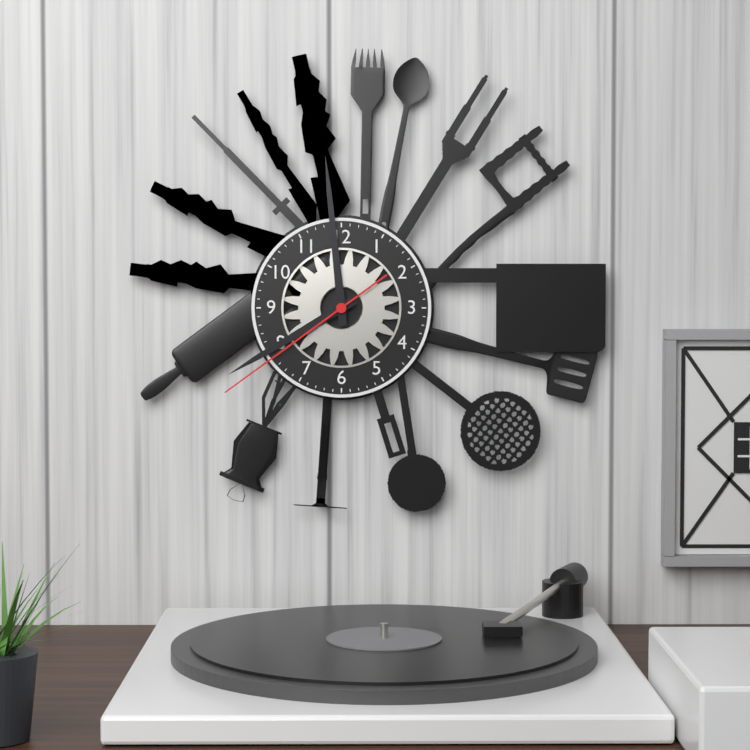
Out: {"hour": 7, "minute": 59, "second": 39}
